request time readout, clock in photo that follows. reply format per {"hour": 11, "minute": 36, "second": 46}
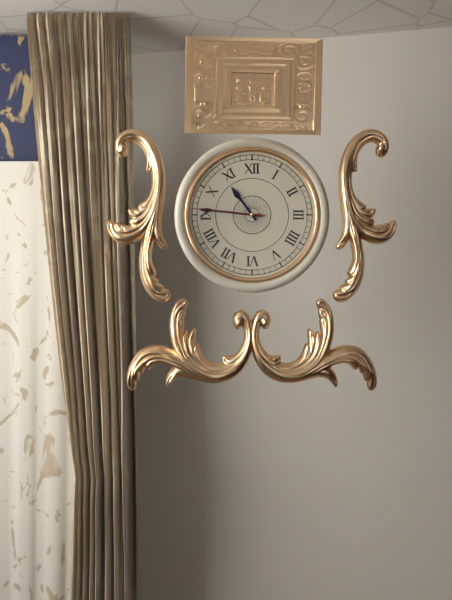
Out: {"hour": 10, "minute": 46, "second": 46}
